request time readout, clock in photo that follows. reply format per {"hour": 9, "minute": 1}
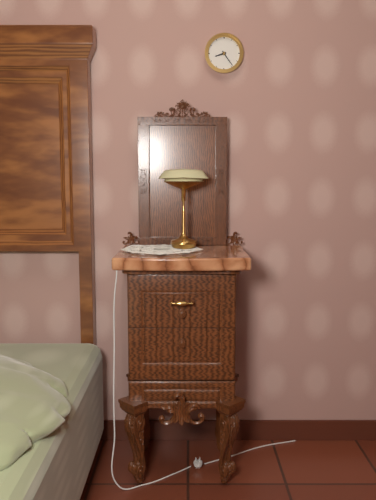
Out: {"hour": 8, "minute": 24}
